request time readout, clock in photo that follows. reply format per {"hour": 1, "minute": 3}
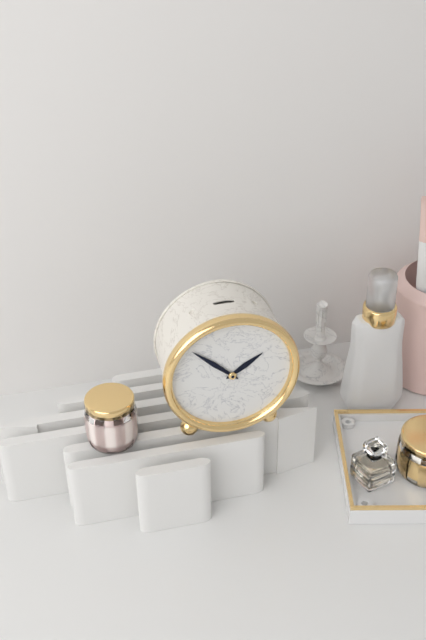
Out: {"hour": 1, "minute": 52}
